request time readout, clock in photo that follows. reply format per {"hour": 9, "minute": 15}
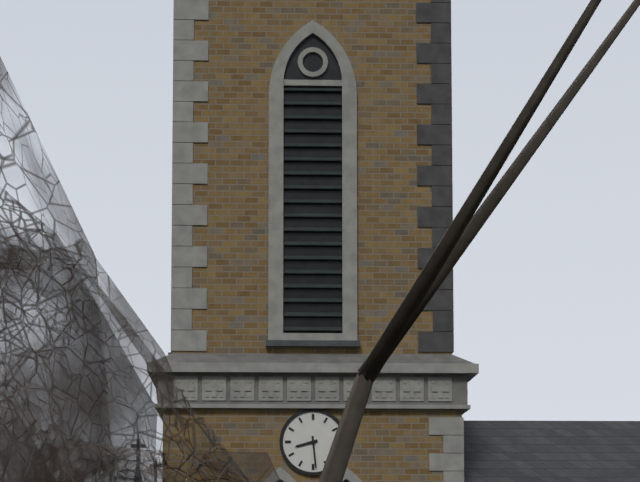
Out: {"hour": 8, "minute": 29}
